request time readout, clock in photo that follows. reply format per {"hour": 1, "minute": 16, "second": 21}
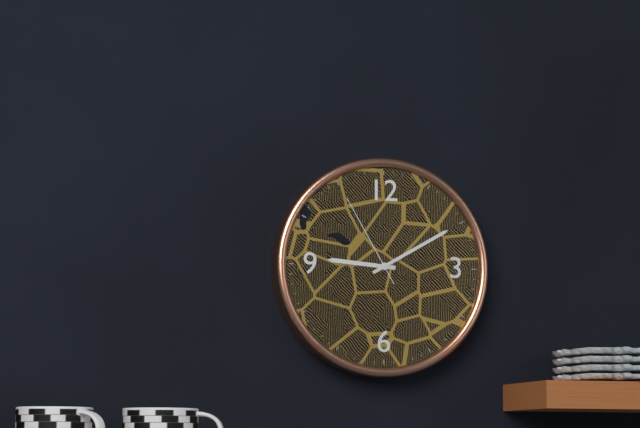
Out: {"hour": 9, "minute": 10, "second": 55}
